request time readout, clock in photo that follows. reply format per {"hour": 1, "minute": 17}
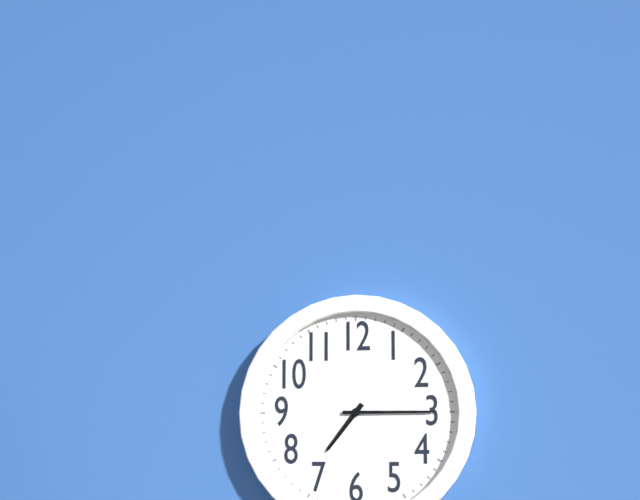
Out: {"hour": 7, "minute": 15}
